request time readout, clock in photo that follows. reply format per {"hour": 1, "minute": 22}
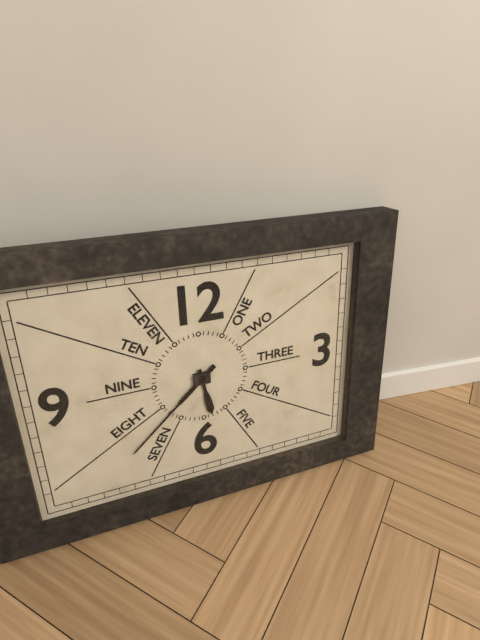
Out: {"hour": 5, "minute": 38}
